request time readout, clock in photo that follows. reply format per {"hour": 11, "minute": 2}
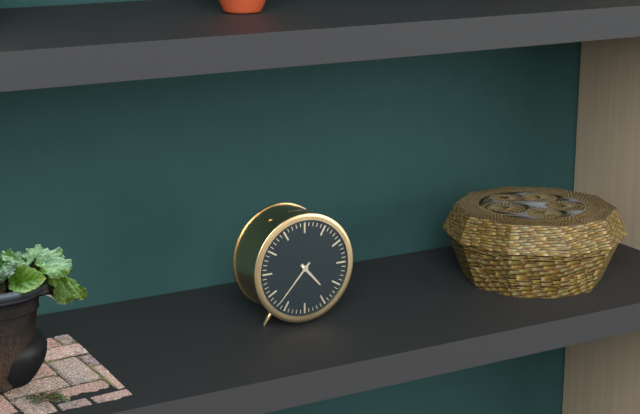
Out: {"hour": 4, "minute": 37}
